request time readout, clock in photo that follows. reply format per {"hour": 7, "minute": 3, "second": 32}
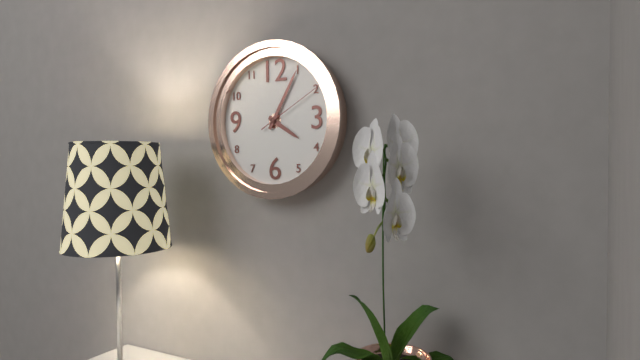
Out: {"hour": 4, "minute": 5, "second": 10}
